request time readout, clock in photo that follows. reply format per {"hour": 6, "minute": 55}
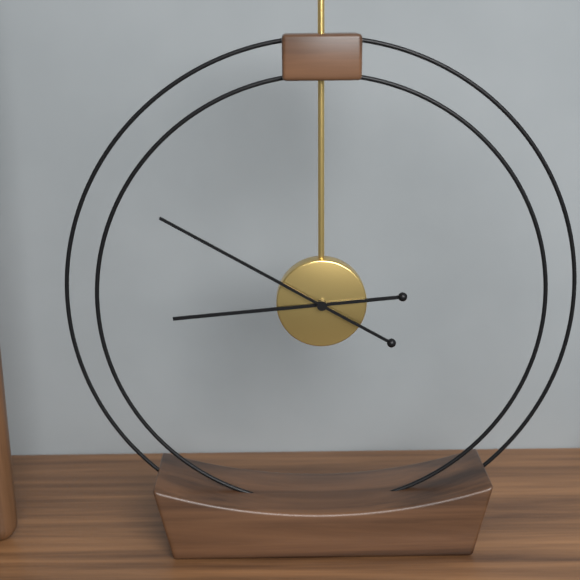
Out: {"hour": 8, "minute": 50}
